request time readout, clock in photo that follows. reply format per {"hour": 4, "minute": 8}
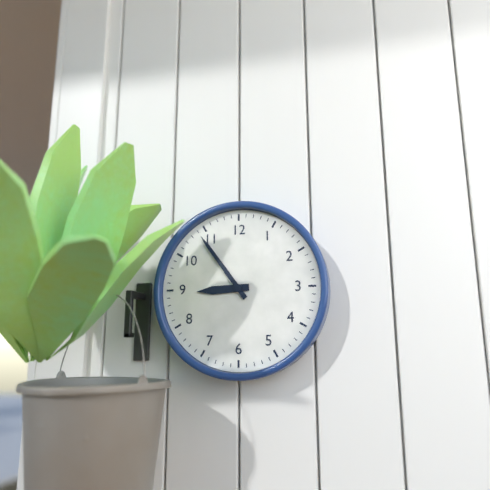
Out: {"hour": 8, "minute": 54}
